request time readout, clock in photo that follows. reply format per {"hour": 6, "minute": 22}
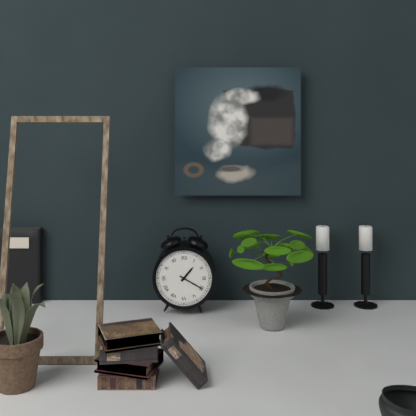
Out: {"hour": 1, "minute": 20}
